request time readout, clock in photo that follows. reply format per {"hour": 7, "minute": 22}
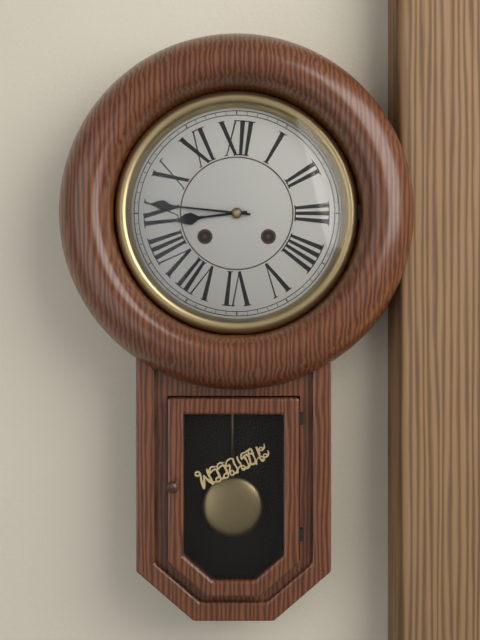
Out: {"hour": 8, "minute": 46}
